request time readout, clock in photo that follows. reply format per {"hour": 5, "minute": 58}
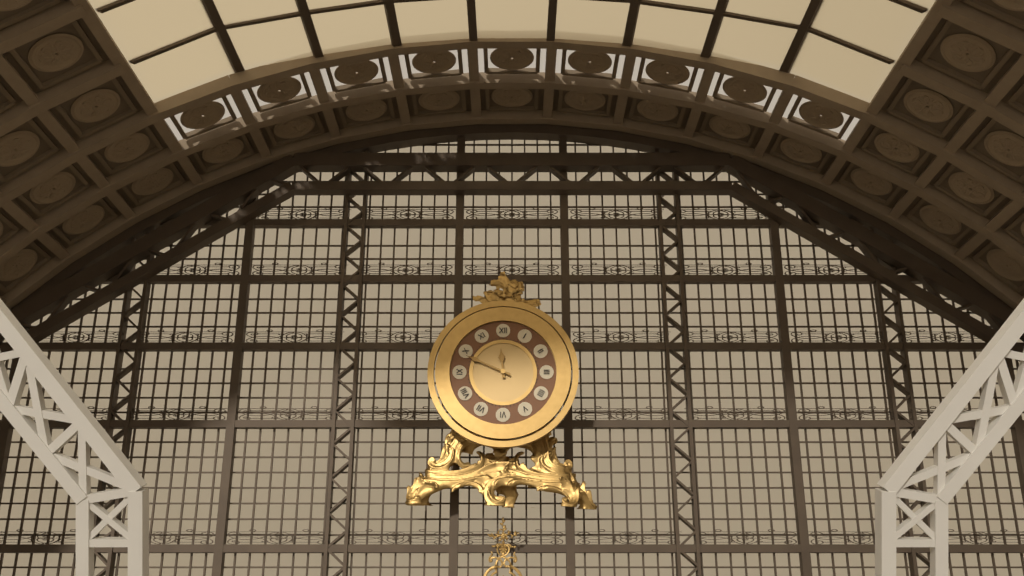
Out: {"hour": 11, "minute": 49}
